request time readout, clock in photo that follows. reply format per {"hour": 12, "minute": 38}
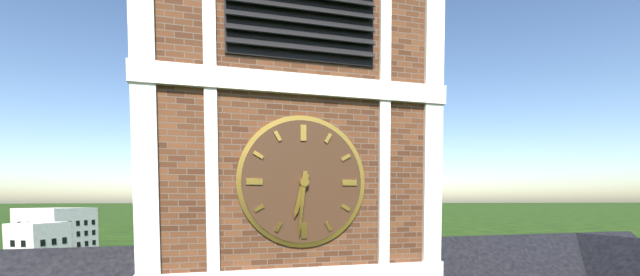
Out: {"hour": 6, "minute": 31}
